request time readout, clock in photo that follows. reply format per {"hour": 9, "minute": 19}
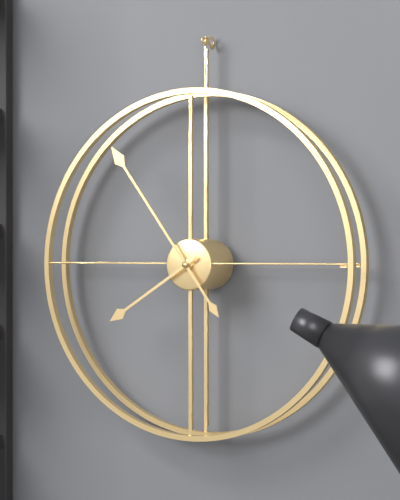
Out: {"hour": 7, "minute": 54}
